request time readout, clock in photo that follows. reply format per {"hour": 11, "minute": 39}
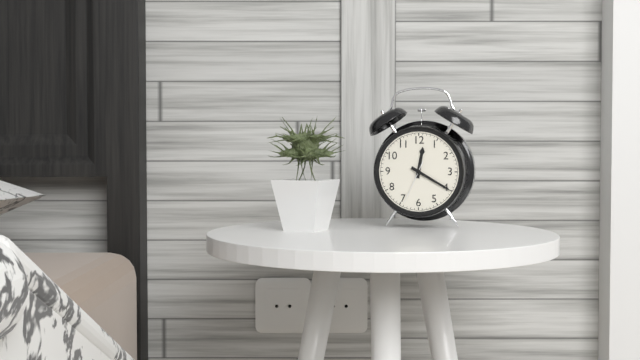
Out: {"hour": 12, "minute": 20}
